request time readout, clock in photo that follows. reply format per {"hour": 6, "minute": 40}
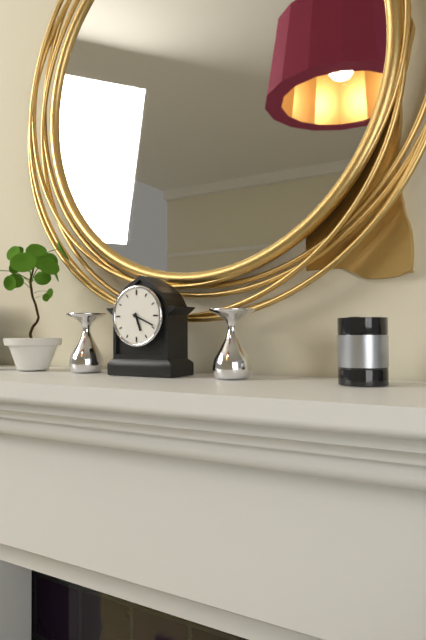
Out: {"hour": 5, "minute": 19}
